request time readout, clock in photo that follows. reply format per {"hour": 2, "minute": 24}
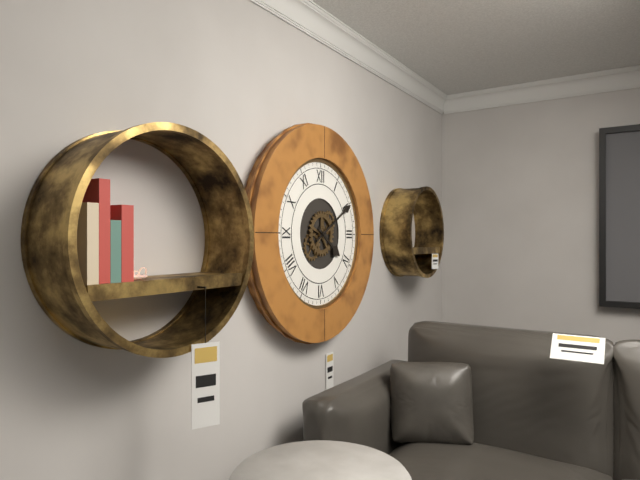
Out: {"hour": 4, "minute": 10}
